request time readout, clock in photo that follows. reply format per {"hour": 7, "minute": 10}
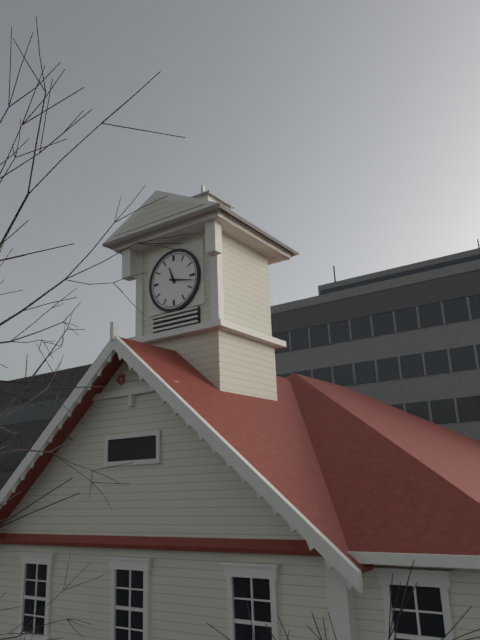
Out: {"hour": 11, "minute": 17}
